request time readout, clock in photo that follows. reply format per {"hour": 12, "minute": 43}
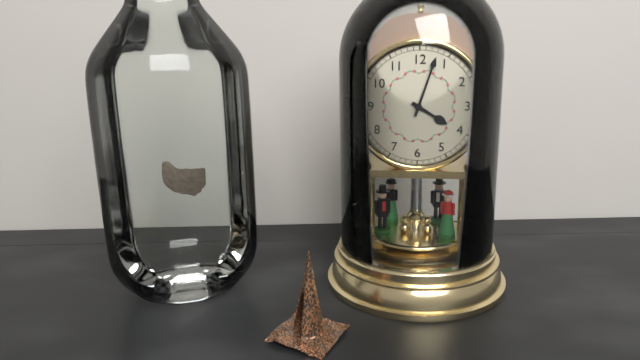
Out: {"hour": 4, "minute": 3}
